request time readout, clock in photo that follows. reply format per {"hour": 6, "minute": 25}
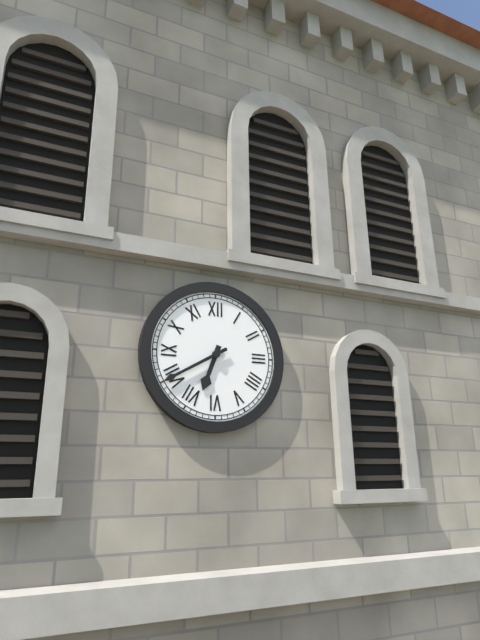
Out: {"hour": 6, "minute": 40}
